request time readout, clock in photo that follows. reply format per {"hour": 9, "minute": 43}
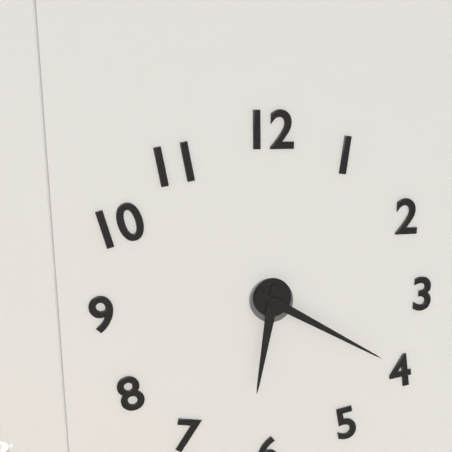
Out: {"hour": 6, "minute": 20}
